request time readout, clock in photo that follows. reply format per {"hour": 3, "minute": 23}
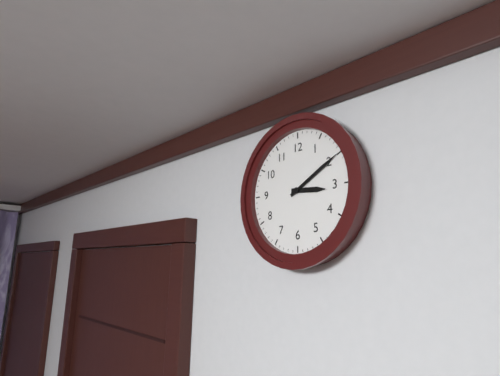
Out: {"hour": 3, "minute": 10}
